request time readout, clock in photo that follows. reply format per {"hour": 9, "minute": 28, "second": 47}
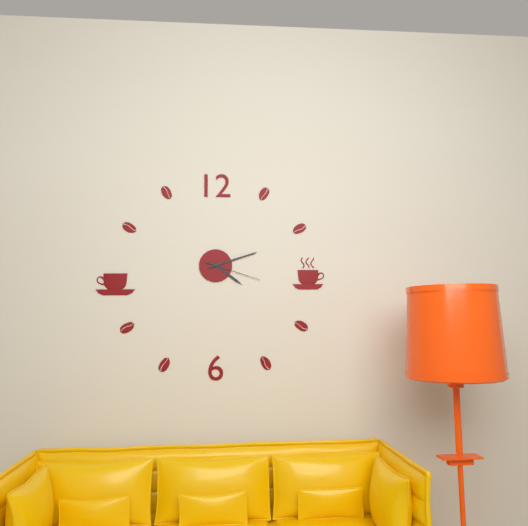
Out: {"hour": 4, "minute": 12, "second": 18}
